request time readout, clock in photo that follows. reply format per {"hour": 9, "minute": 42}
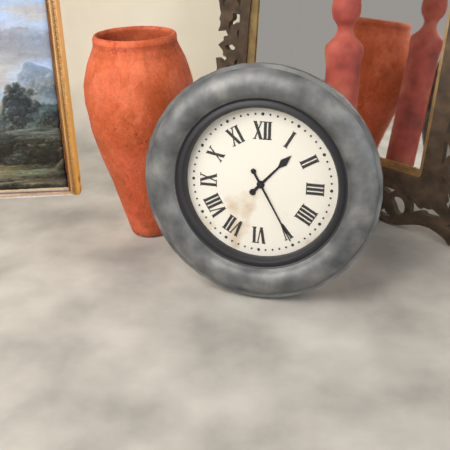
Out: {"hour": 1, "minute": 25}
